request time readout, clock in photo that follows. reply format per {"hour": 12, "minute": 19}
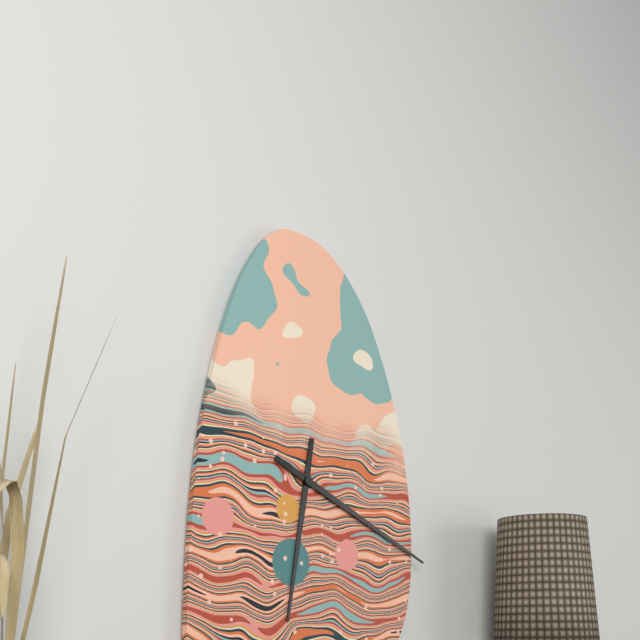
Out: {"hour": 6, "minute": 19}
